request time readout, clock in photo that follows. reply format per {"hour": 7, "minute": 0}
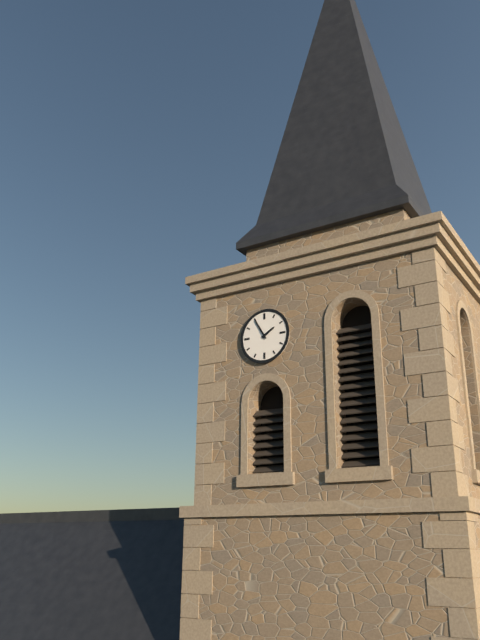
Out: {"hour": 1, "minute": 55}
